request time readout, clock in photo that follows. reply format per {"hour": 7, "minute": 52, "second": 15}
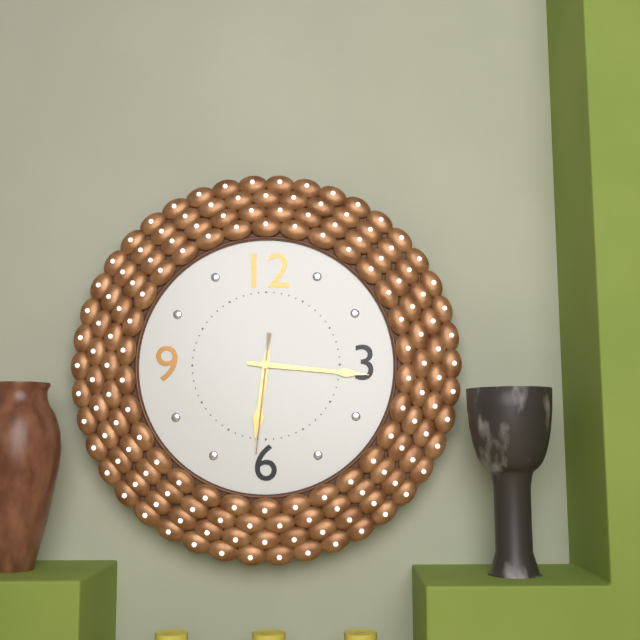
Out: {"hour": 6, "minute": 16, "second": 31}
